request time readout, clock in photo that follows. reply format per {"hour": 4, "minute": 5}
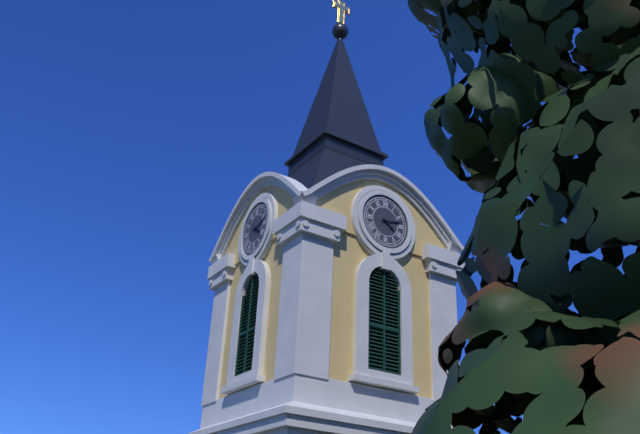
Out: {"hour": 4, "minute": 13}
